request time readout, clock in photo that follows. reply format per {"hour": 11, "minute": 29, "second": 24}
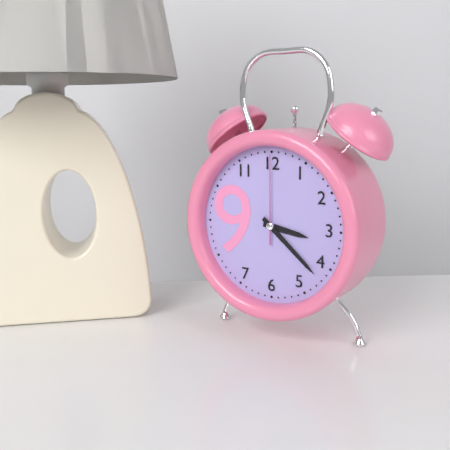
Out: {"hour": 3, "minute": 22, "second": 0}
